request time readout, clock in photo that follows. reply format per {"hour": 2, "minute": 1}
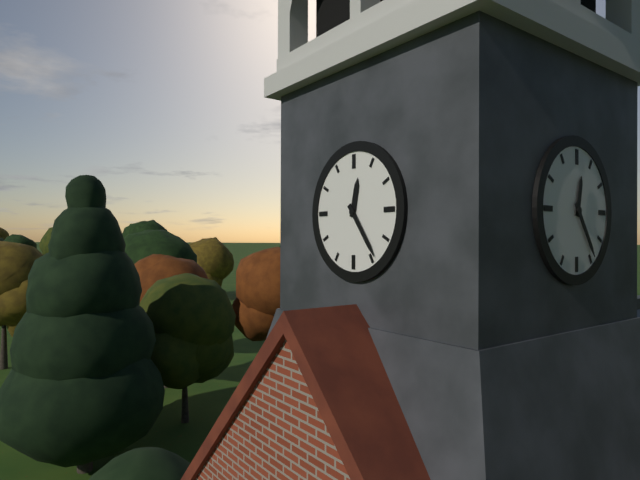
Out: {"hour": 12, "minute": 24}
